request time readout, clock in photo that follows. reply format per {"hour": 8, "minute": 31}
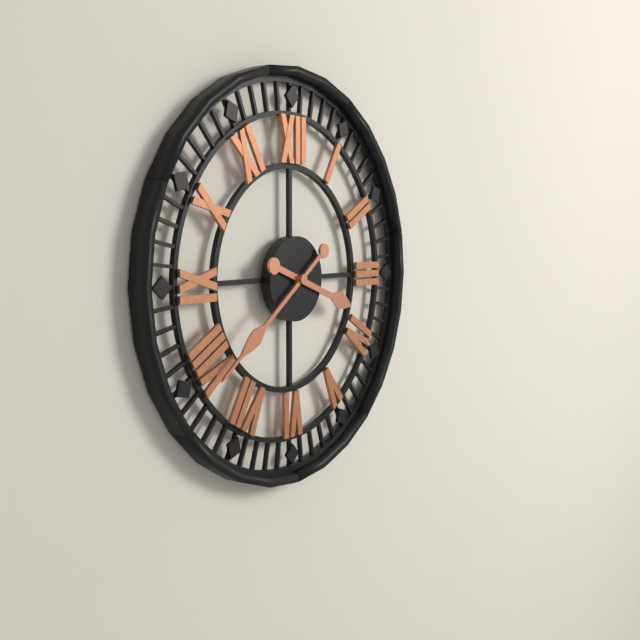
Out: {"hour": 3, "minute": 39}
